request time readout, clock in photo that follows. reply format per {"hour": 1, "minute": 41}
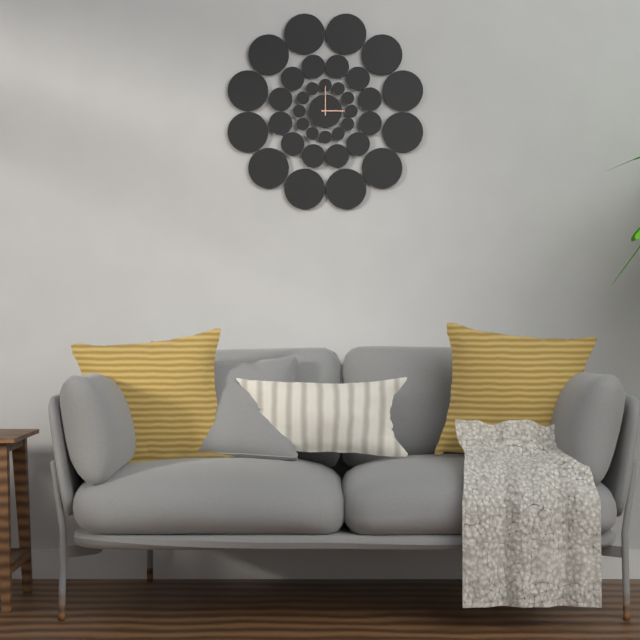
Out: {"hour": 3, "minute": 0}
